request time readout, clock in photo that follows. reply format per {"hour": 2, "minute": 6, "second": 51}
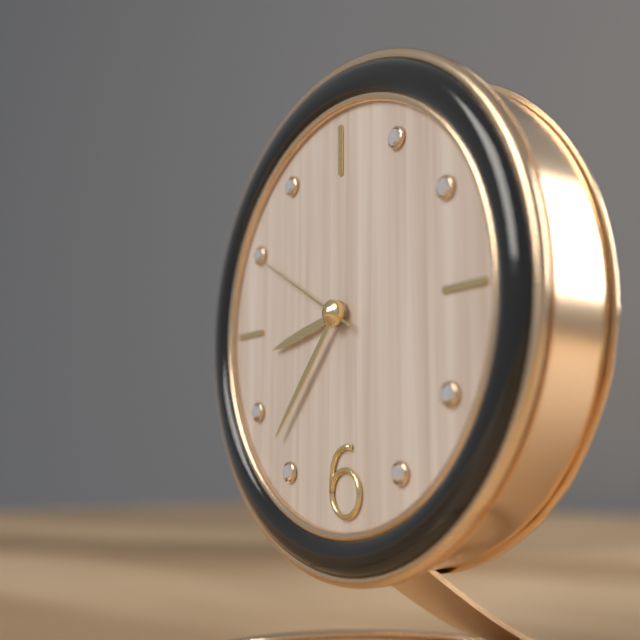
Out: {"hour": 8, "minute": 37, "second": 50}
